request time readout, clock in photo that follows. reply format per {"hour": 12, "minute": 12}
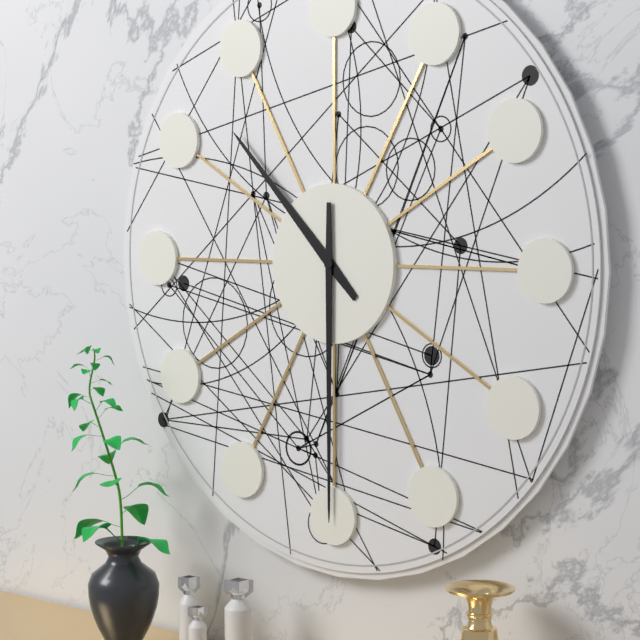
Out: {"hour": 10, "minute": 30}
